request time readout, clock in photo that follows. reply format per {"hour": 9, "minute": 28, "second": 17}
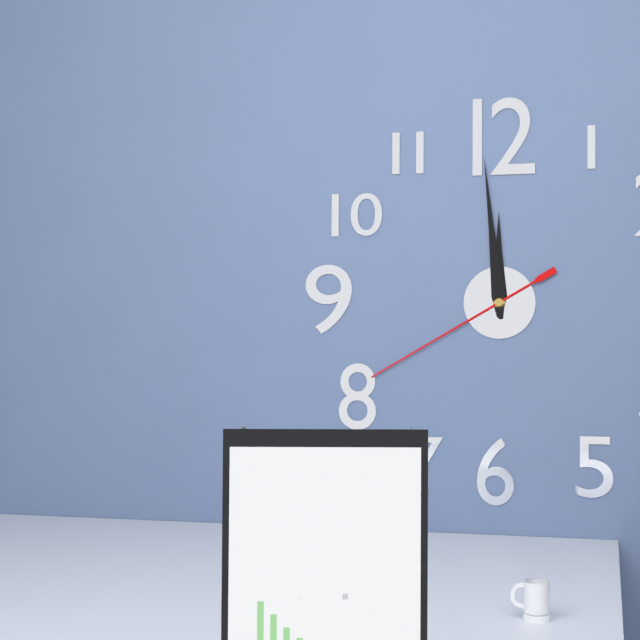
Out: {"hour": 11, "minute": 59, "second": 40}
